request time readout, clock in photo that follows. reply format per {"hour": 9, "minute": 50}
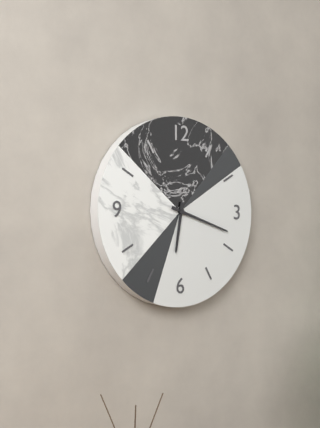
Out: {"hour": 6, "minute": 18}
